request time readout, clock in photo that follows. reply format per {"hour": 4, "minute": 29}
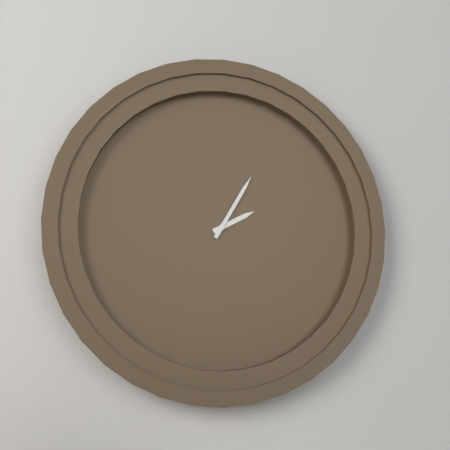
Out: {"hour": 2, "minute": 5}
